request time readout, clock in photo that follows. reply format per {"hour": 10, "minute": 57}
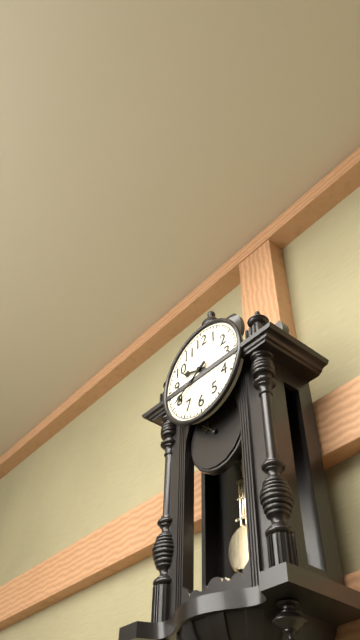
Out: {"hour": 9, "minute": 40}
